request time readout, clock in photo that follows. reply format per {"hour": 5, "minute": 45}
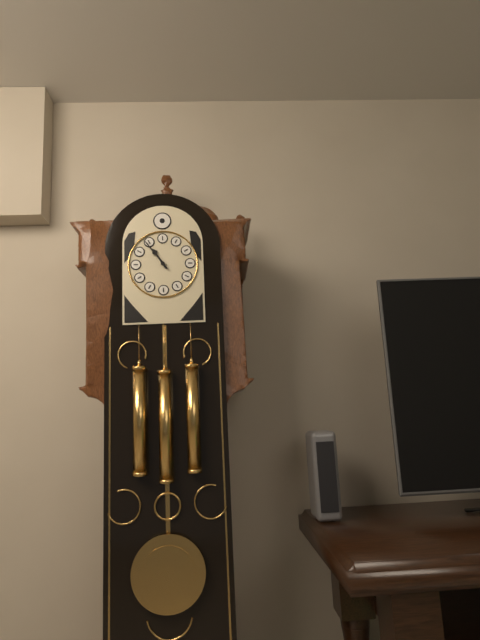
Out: {"hour": 10, "minute": 54}
